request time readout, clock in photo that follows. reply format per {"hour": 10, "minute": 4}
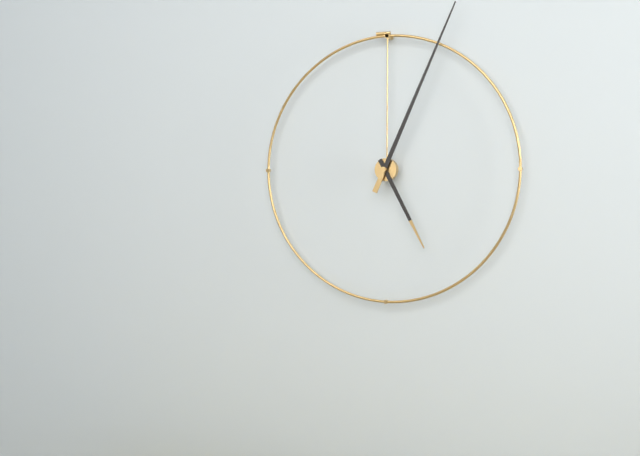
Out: {"hour": 5, "minute": 4}
